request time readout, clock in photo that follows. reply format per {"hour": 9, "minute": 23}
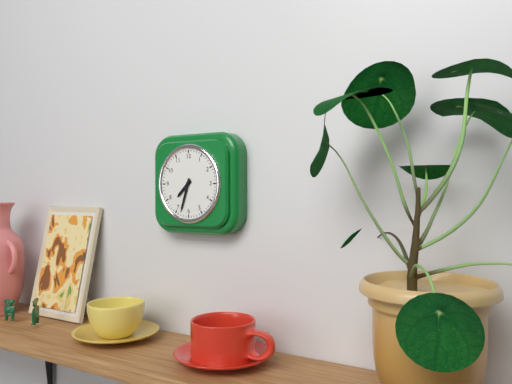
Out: {"hour": 7, "minute": 33}
